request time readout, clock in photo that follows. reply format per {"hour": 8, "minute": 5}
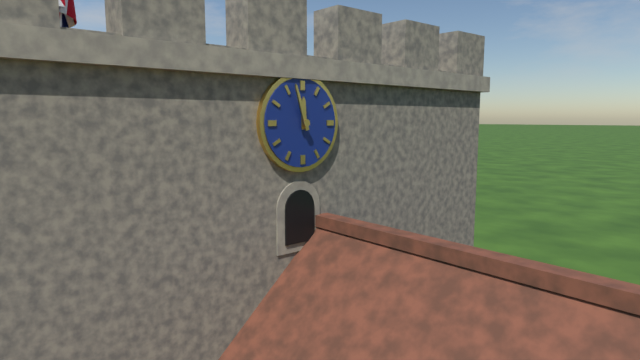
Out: {"hour": 11, "minute": 57}
